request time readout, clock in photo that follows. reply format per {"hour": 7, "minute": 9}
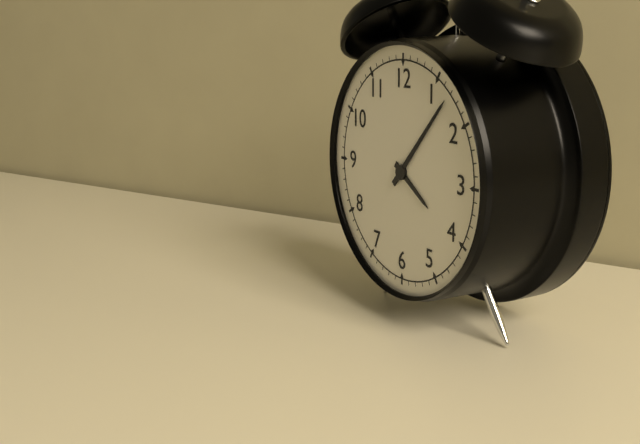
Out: {"hour": 4, "minute": 7}
